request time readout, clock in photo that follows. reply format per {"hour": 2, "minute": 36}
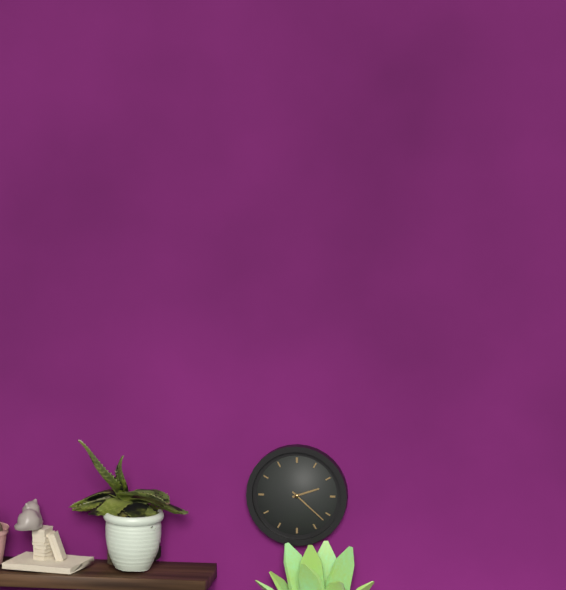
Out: {"hour": 2, "minute": 22}
